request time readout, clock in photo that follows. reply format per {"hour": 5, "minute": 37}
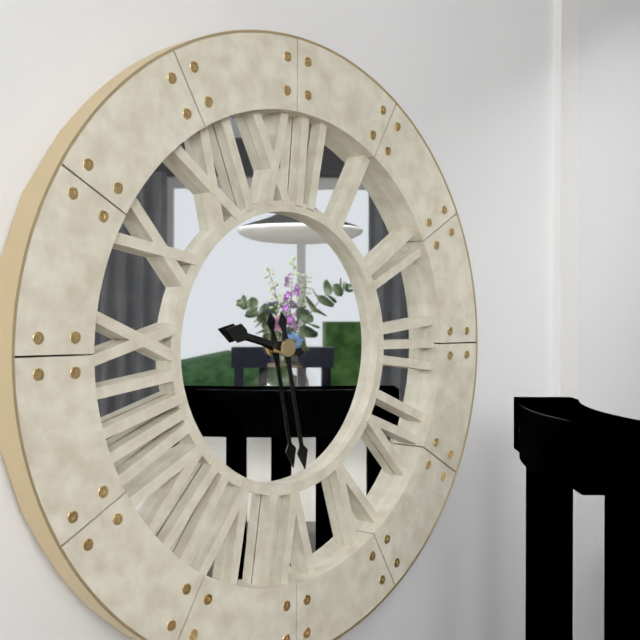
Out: {"hour": 9, "minute": 28}
